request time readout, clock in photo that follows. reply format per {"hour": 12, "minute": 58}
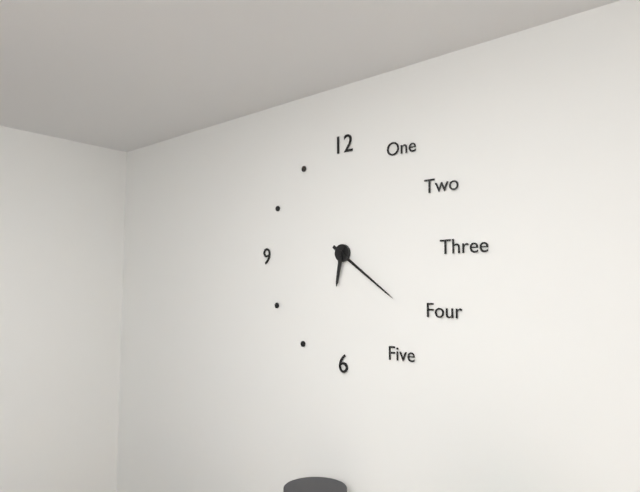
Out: {"hour": 6, "minute": 21}
